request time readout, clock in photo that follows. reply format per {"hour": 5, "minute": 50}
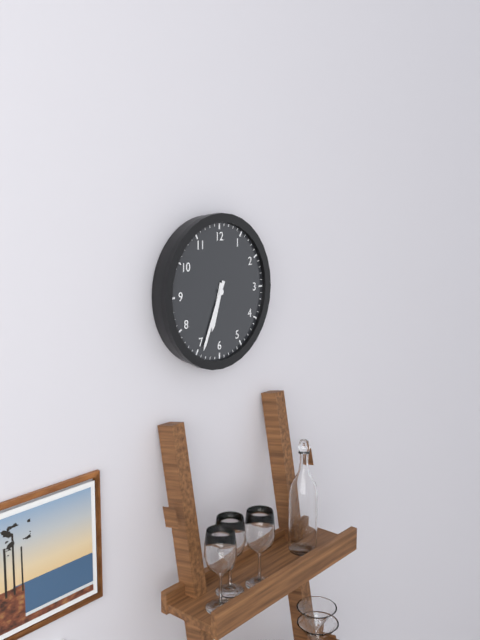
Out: {"hour": 6, "minute": 34}
